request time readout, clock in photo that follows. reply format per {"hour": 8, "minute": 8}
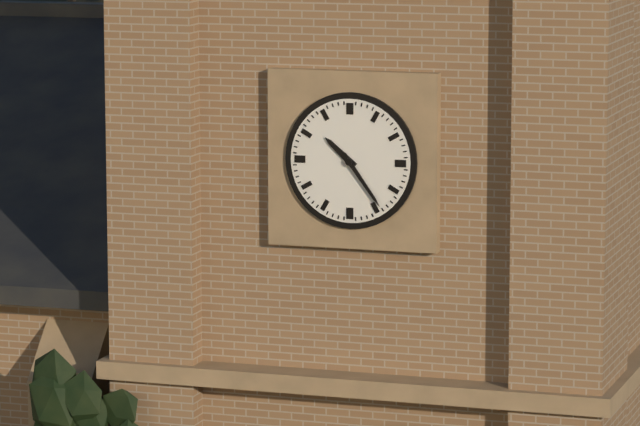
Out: {"hour": 10, "minute": 24}
